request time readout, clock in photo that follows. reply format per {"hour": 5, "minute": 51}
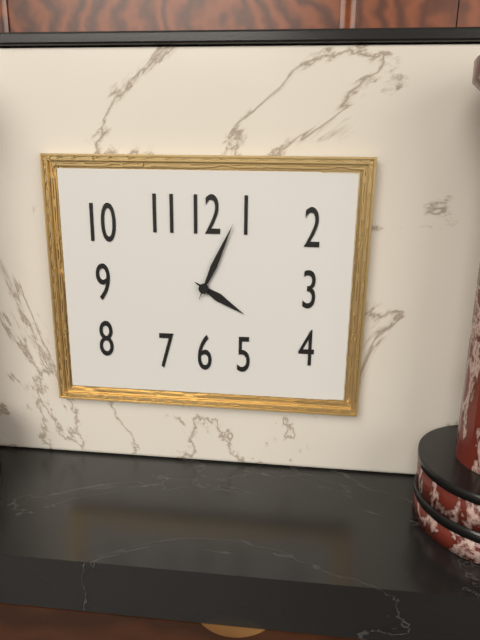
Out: {"hour": 4, "minute": 4}
